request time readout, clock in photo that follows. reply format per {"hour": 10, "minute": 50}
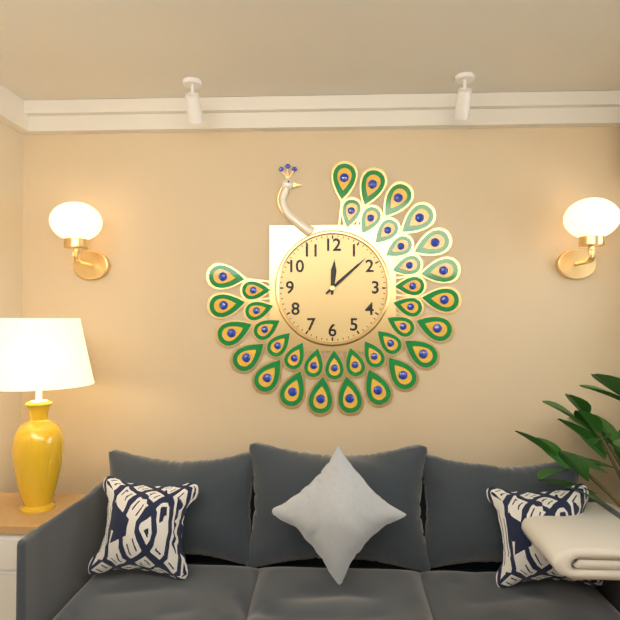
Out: {"hour": 12, "minute": 8}
